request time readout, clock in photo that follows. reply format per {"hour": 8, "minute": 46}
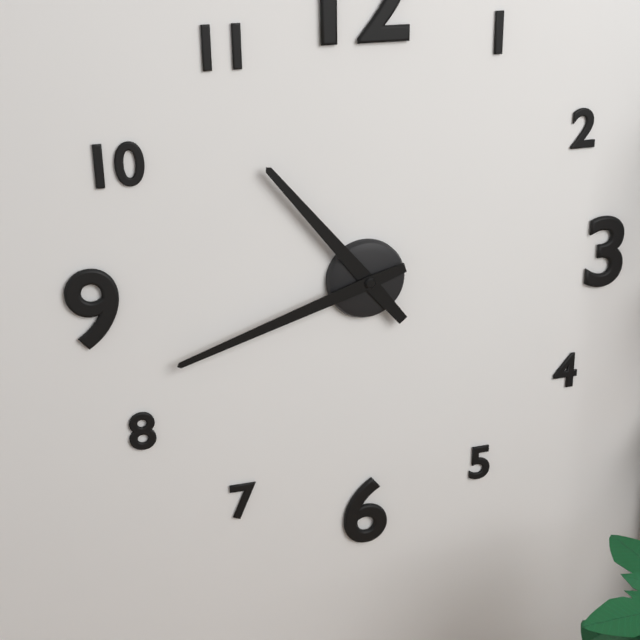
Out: {"hour": 10, "minute": 42}
